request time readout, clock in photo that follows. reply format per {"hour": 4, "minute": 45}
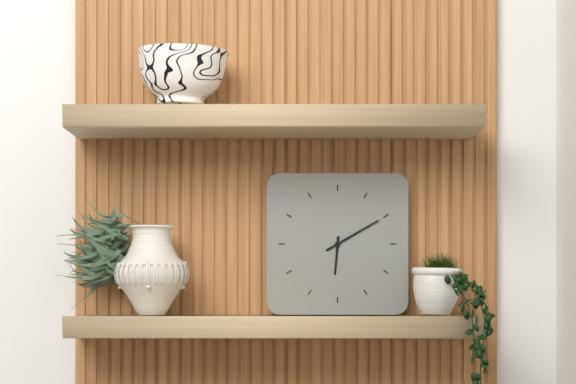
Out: {"hour": 6, "minute": 10}
